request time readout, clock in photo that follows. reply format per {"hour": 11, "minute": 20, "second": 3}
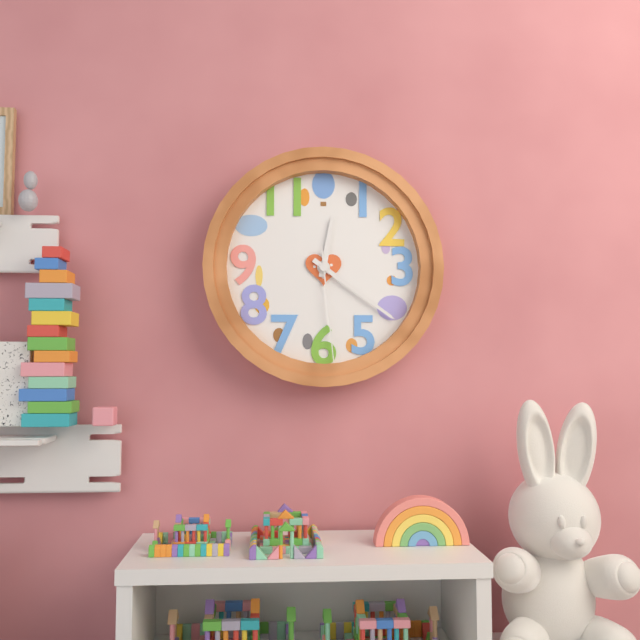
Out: {"hour": 12, "minute": 21, "second": 29}
